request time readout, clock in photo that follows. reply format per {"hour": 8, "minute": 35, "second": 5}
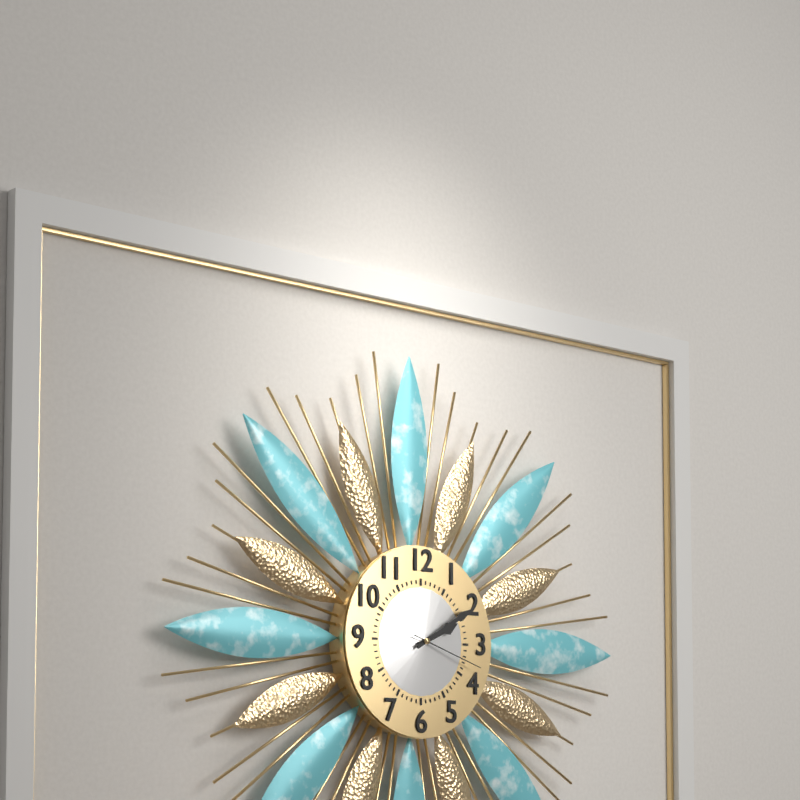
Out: {"hour": 2, "minute": 10, "second": 18}
